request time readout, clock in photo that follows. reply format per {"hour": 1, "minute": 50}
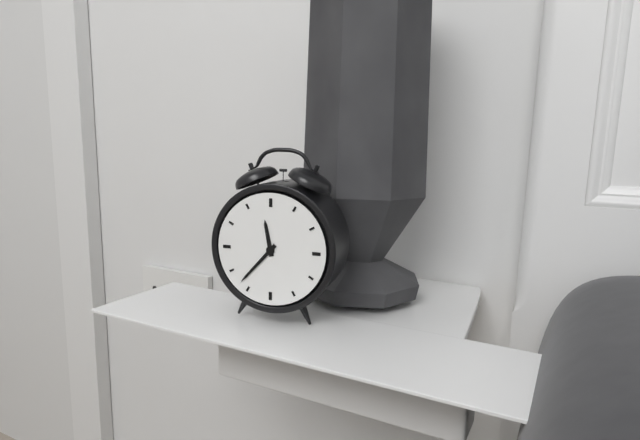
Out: {"hour": 11, "minute": 37}
